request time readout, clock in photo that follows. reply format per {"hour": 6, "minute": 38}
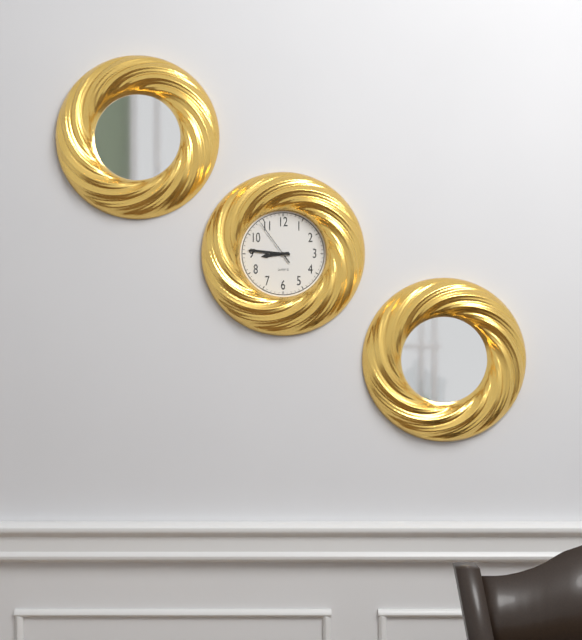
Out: {"hour": 8, "minute": 46}
